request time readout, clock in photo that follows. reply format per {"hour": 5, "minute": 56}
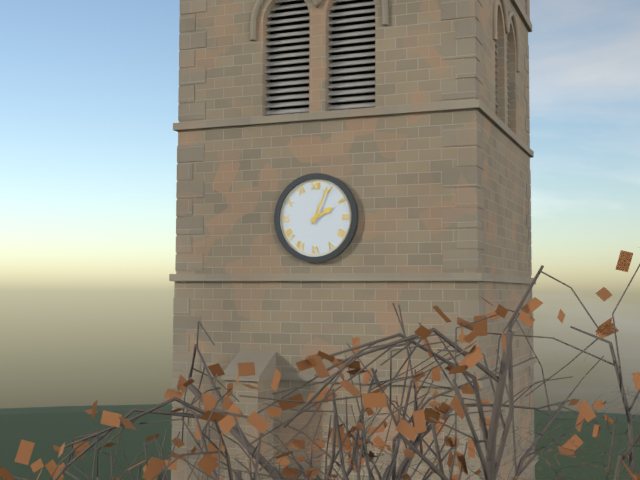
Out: {"hour": 2, "minute": 4}
